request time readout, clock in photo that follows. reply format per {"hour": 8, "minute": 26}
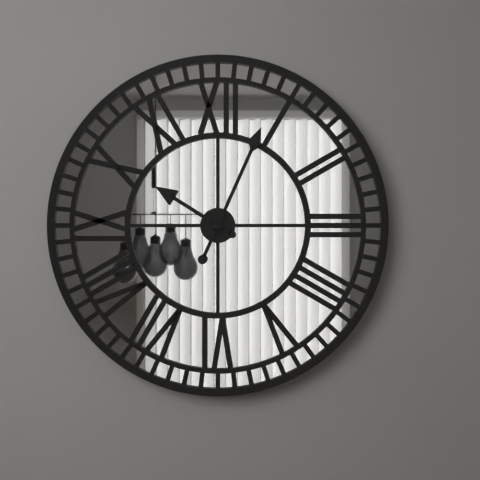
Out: {"hour": 10, "minute": 4}
